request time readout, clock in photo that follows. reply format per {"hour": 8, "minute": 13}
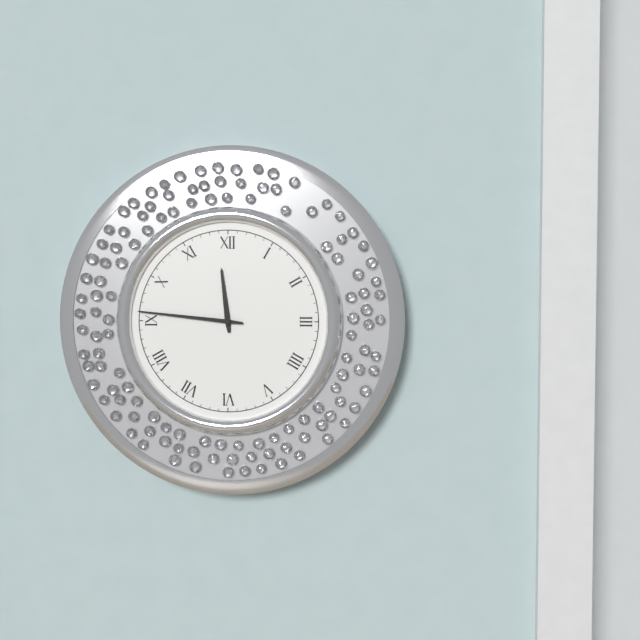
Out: {"hour": 11, "minute": 46}
